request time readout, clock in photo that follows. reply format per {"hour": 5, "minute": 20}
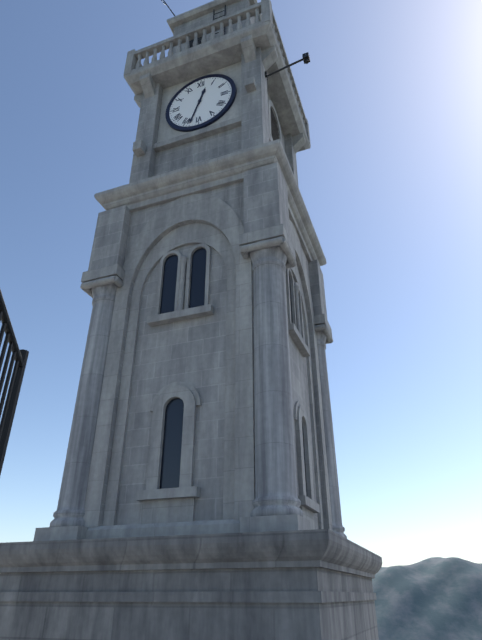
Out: {"hour": 12, "minute": 33}
